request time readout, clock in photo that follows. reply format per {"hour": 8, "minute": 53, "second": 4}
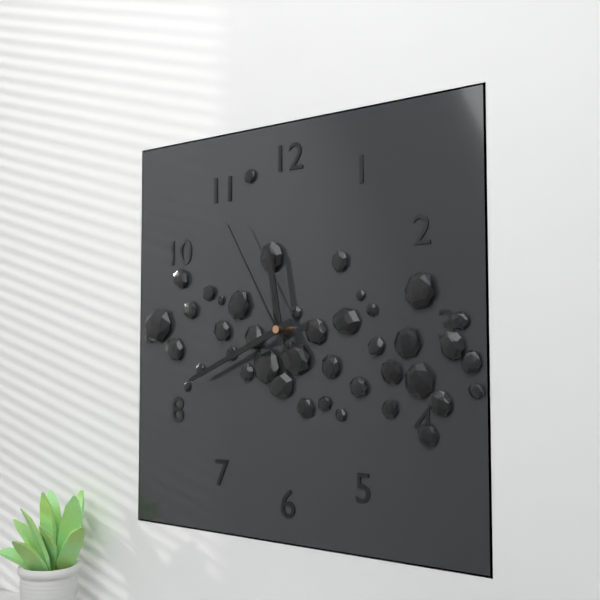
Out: {"hour": 11, "minute": 41, "second": 55}
